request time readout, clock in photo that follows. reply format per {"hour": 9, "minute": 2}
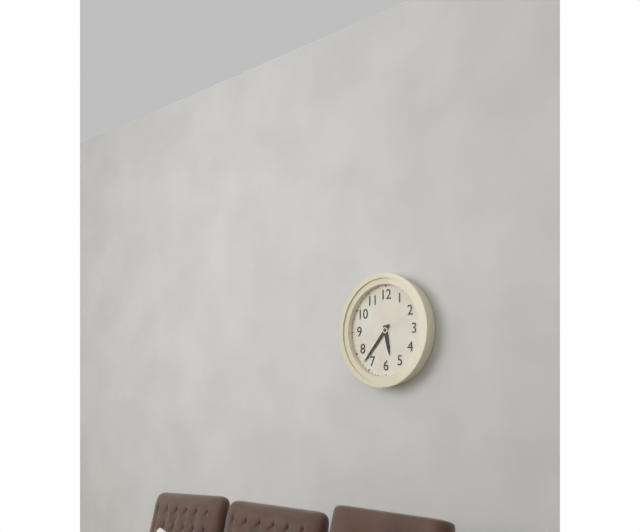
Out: {"hour": 5, "minute": 37}
